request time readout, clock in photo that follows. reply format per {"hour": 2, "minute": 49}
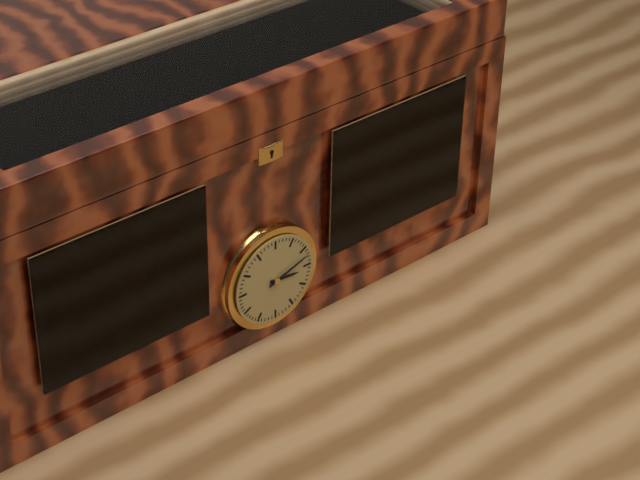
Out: {"hour": 3, "minute": 12}
